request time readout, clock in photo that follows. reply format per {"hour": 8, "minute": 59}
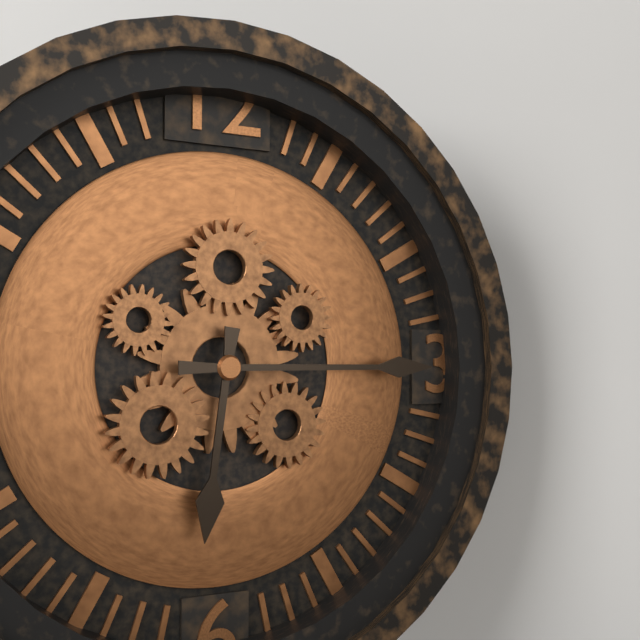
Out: {"hour": 6, "minute": 15}
